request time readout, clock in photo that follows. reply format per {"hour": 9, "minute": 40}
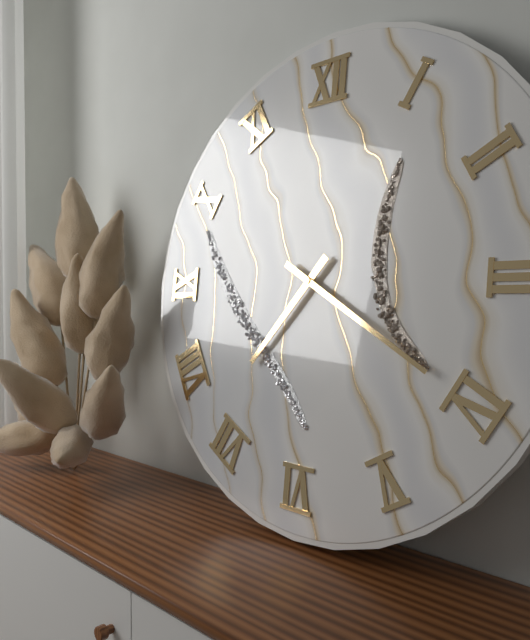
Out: {"hour": 7, "minute": 20}
